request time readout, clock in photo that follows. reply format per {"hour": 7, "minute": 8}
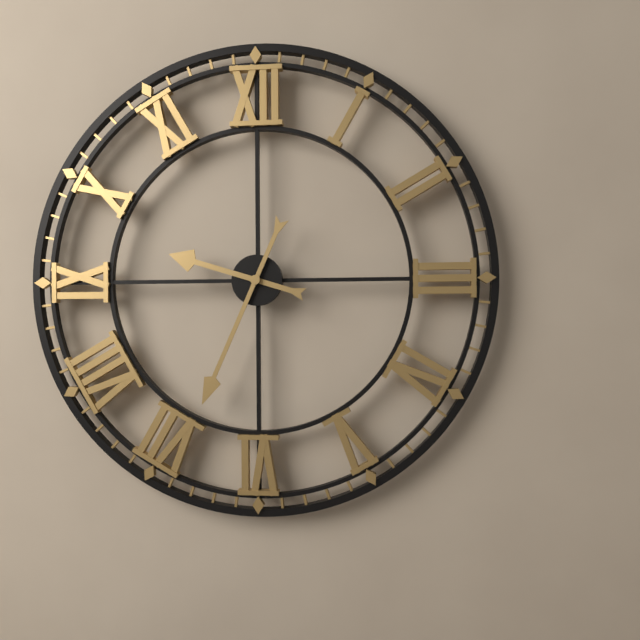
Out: {"hour": 9, "minute": 34}
